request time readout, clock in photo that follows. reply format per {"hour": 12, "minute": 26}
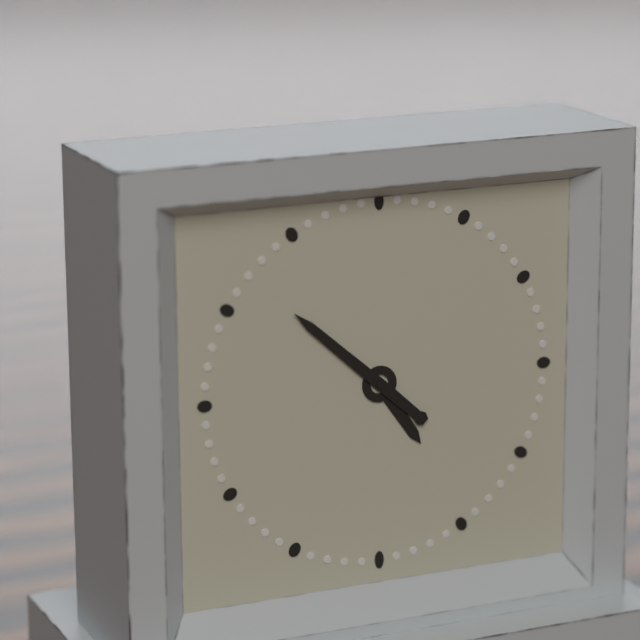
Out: {"hour": 4, "minute": 52}
